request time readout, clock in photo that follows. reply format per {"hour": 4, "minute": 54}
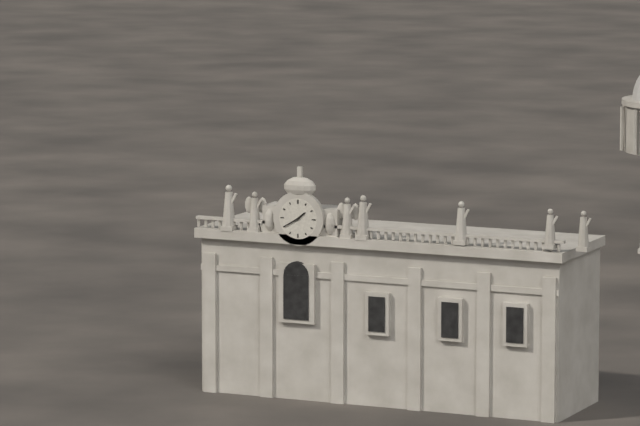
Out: {"hour": 1, "minute": 40}
